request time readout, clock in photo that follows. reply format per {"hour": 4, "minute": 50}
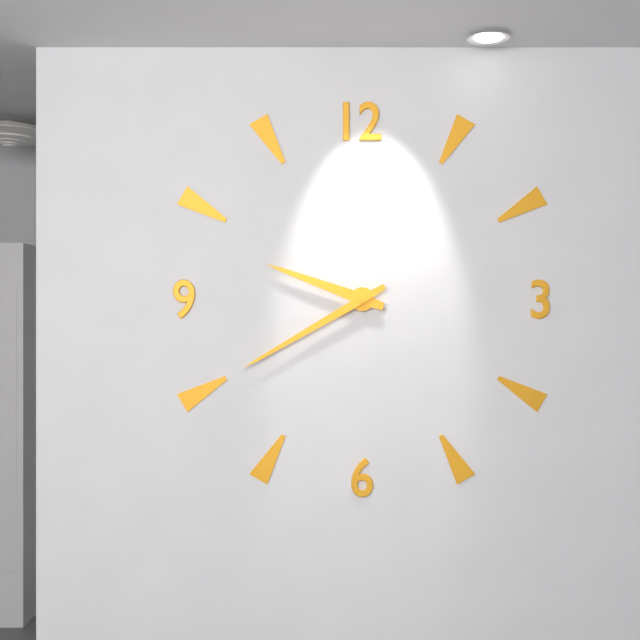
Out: {"hour": 9, "minute": 40}
